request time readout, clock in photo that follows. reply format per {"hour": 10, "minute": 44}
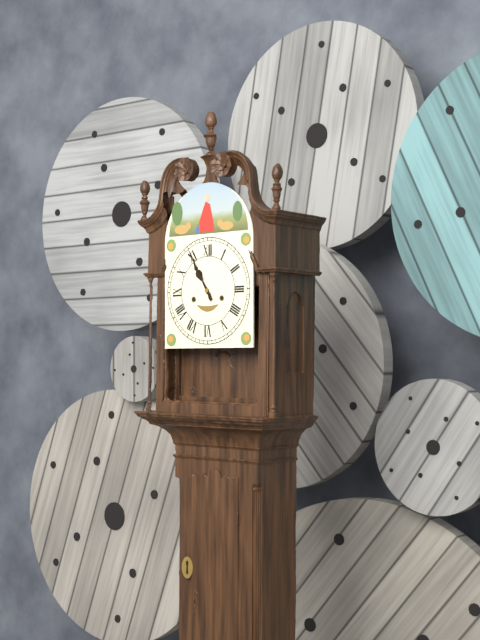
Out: {"hour": 10, "minute": 55}
